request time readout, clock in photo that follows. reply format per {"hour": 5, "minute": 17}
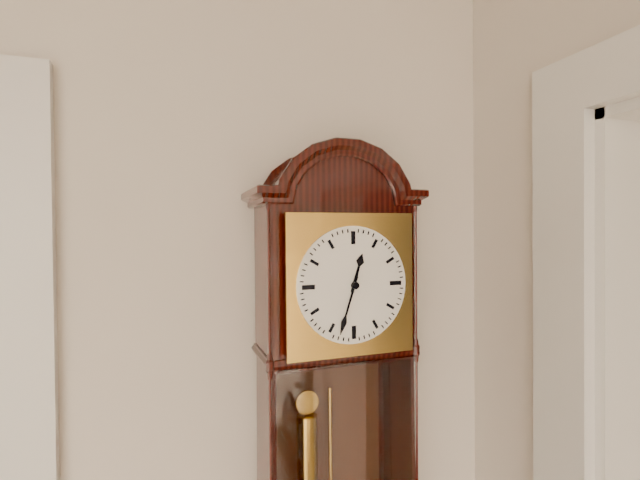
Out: {"hour": 12, "minute": 33}
